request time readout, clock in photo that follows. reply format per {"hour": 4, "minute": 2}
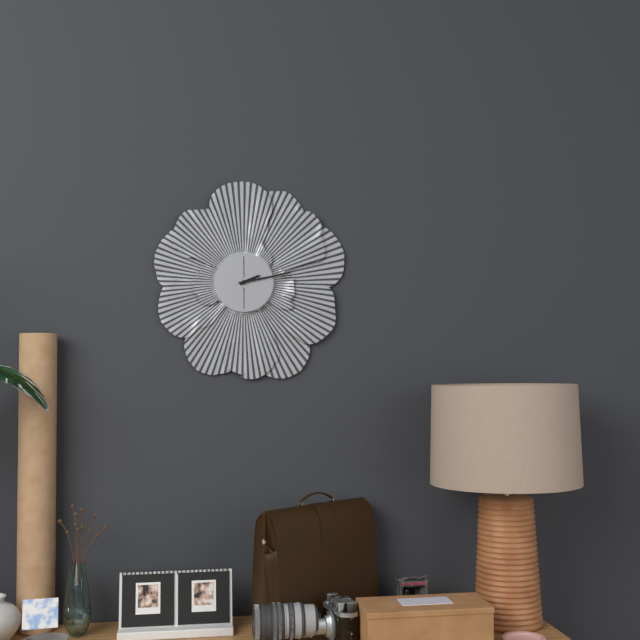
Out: {"hour": 2, "minute": 13}
